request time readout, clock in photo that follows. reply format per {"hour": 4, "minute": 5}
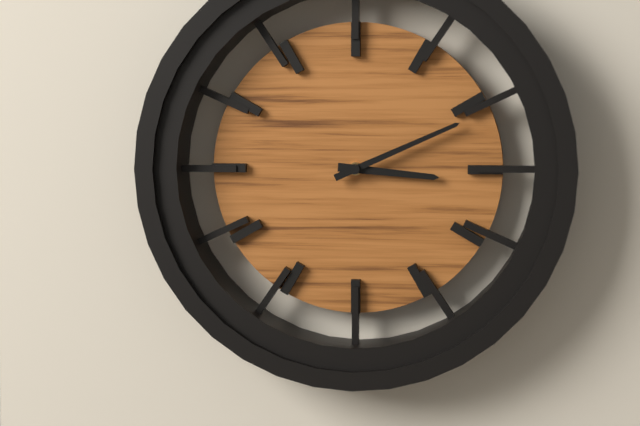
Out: {"hour": 3, "minute": 11}
